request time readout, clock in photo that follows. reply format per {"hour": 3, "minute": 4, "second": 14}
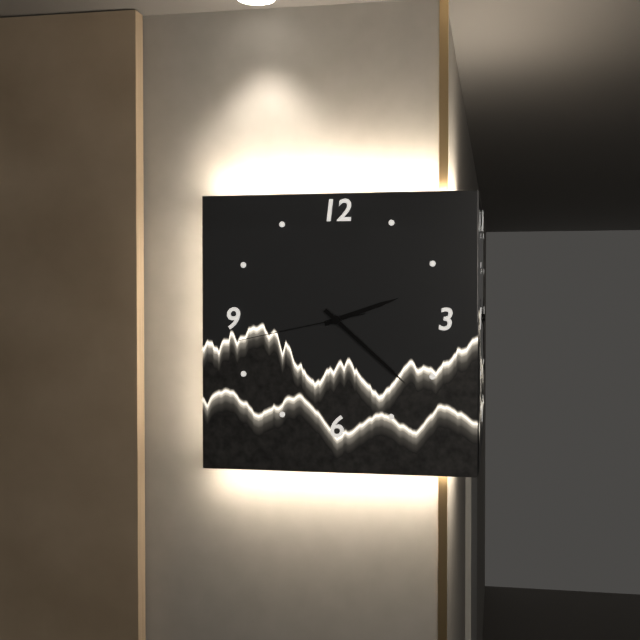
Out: {"hour": 2, "minute": 22, "second": 43}
